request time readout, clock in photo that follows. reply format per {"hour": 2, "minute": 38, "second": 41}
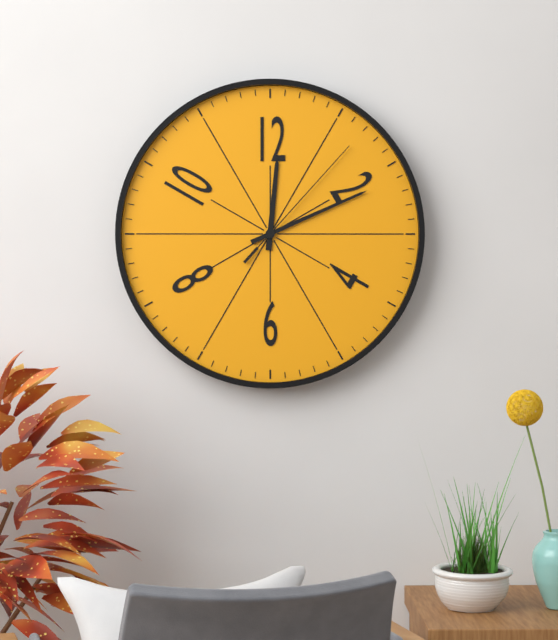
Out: {"hour": 12, "minute": 11, "second": 7}
